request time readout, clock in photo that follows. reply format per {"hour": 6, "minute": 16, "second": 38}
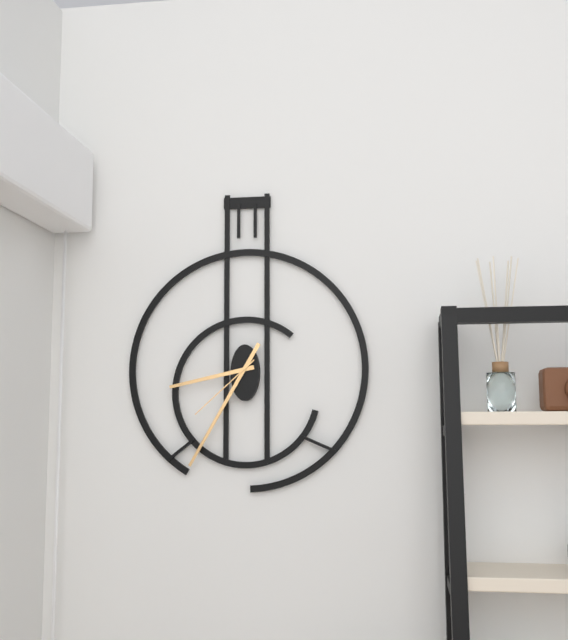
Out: {"hour": 8, "minute": 35, "second": 38}
